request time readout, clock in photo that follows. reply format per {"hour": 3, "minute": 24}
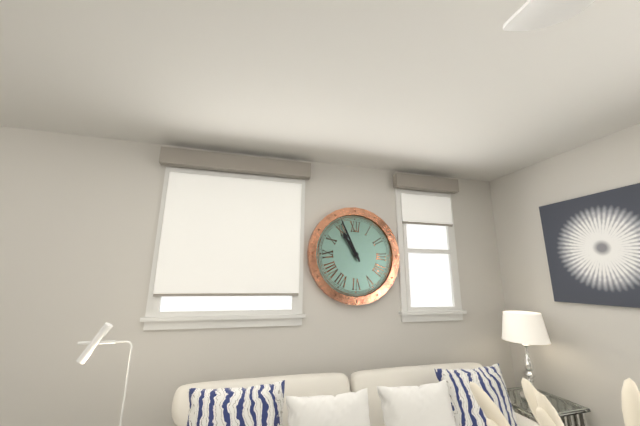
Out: {"hour": 10, "minute": 56}
